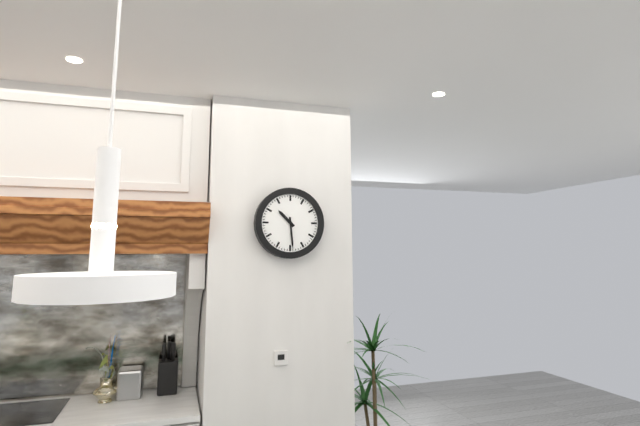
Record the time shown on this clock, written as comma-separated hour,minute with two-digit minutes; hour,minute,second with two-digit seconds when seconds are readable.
10,29
